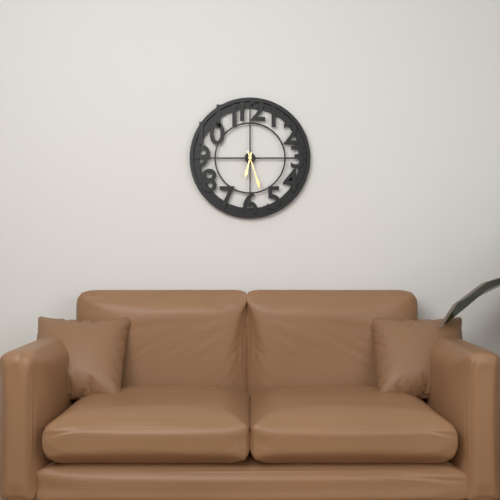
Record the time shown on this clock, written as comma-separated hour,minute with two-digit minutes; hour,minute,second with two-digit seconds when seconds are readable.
6,27
